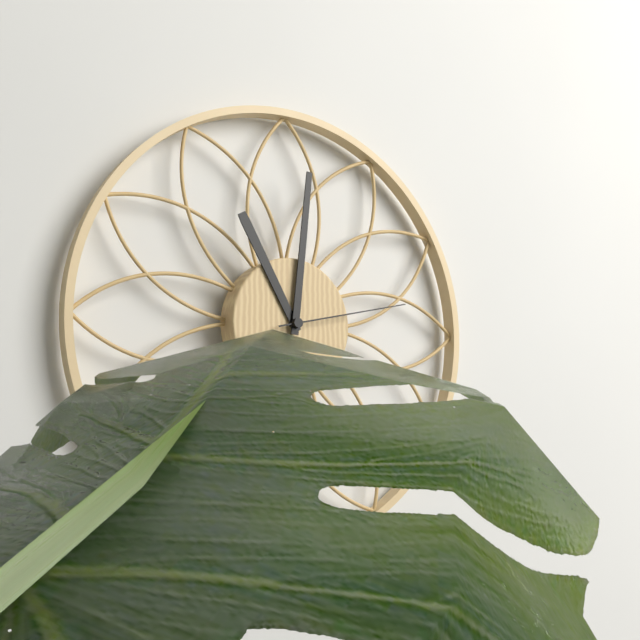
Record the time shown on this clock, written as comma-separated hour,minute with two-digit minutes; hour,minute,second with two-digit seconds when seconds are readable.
11,01,13
